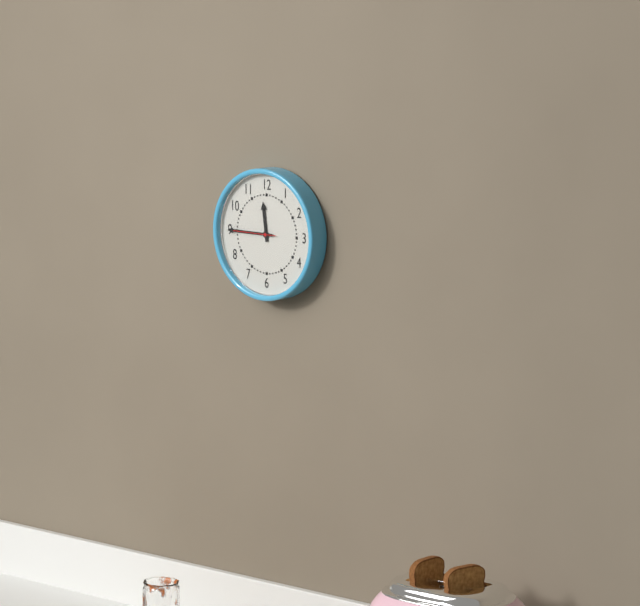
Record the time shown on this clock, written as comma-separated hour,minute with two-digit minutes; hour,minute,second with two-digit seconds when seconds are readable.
11,45
